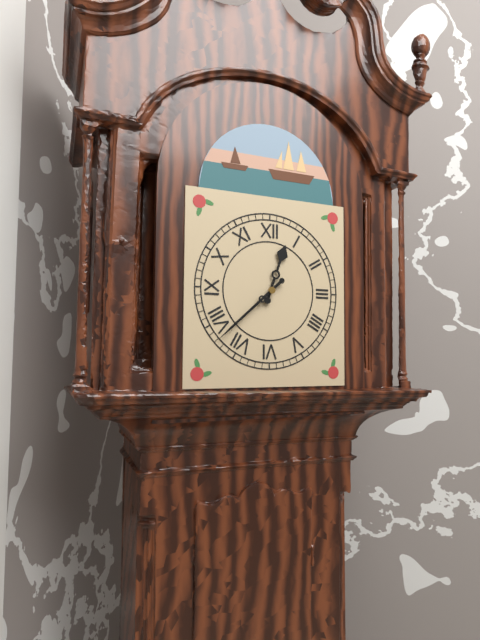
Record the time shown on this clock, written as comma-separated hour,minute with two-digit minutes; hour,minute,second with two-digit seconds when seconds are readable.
12,38
